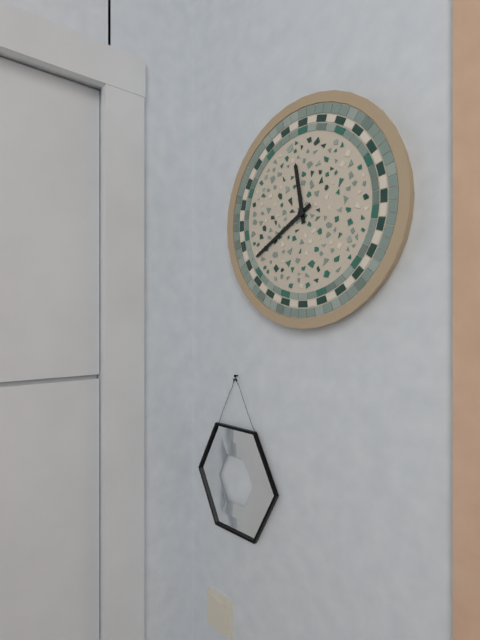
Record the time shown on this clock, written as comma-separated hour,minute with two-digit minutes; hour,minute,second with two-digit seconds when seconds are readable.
11,40
